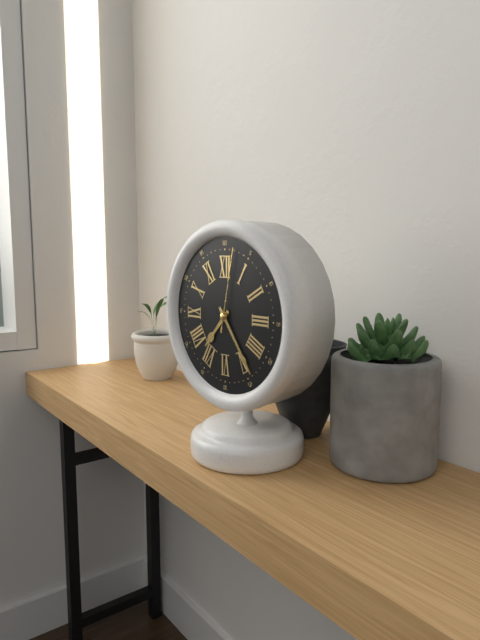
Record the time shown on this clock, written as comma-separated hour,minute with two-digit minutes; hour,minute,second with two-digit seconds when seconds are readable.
7,24,02
